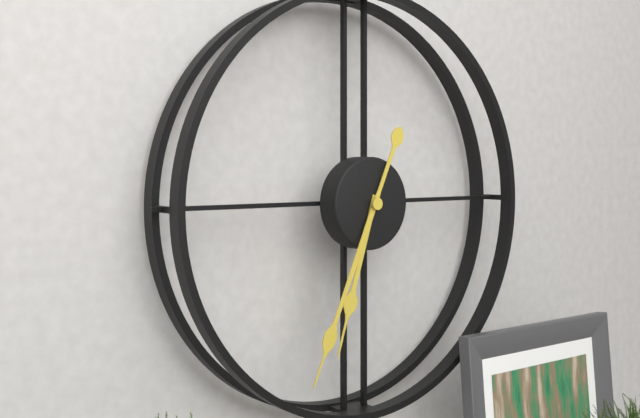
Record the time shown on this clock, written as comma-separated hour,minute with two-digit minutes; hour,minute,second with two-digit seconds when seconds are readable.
6,34
